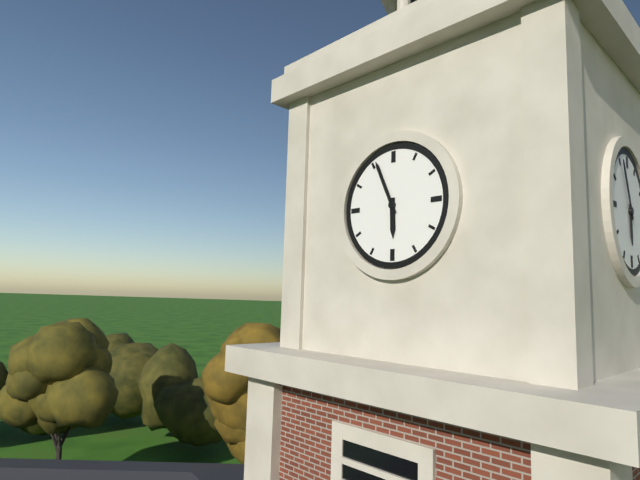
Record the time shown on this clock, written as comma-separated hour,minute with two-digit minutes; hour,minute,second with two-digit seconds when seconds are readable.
5,56
